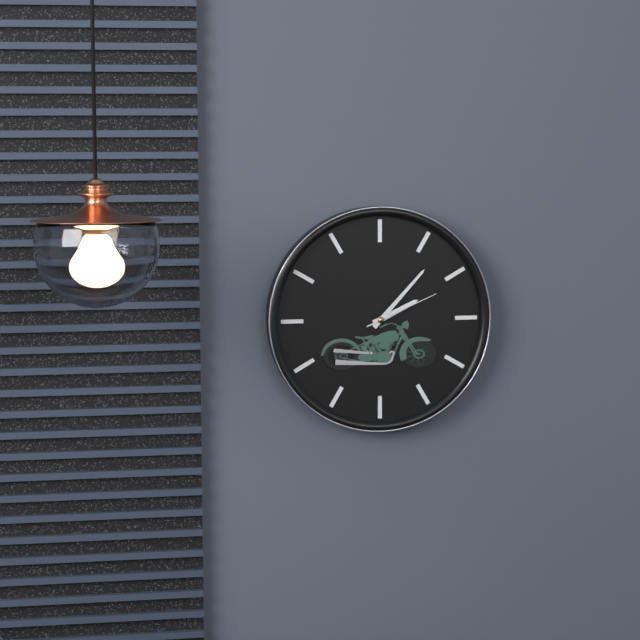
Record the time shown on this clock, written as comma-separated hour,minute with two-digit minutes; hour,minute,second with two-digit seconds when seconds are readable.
2,07,11
